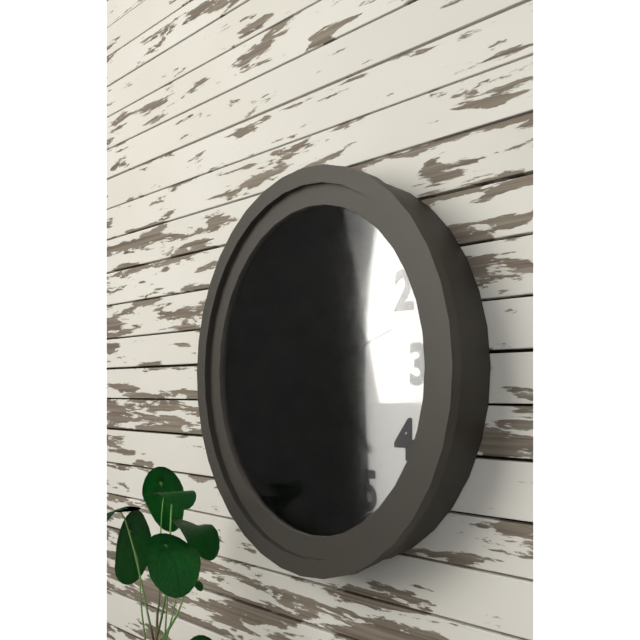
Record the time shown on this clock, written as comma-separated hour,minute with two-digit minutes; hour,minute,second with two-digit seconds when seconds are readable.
1,23,12
